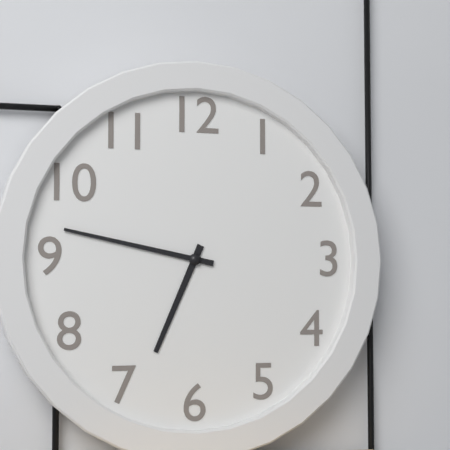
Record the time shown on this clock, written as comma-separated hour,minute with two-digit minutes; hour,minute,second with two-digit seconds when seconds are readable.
6,47
